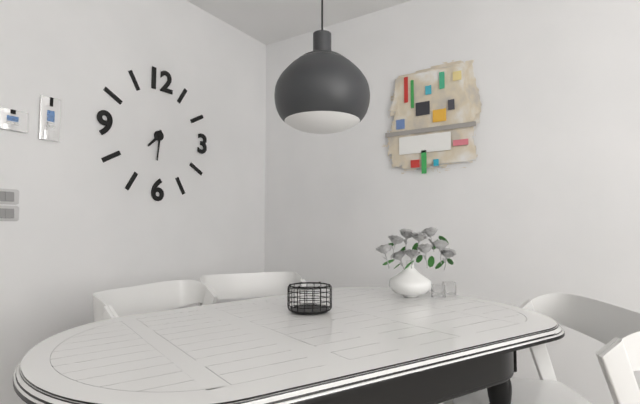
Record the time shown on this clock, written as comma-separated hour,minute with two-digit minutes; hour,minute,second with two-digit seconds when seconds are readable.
7,31
